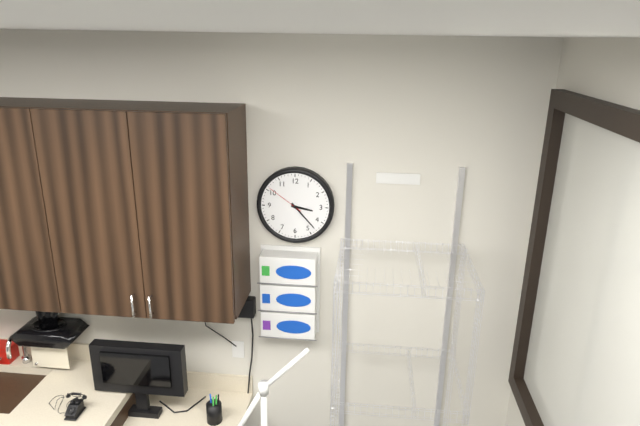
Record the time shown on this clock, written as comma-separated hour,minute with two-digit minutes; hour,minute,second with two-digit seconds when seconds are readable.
3,23
